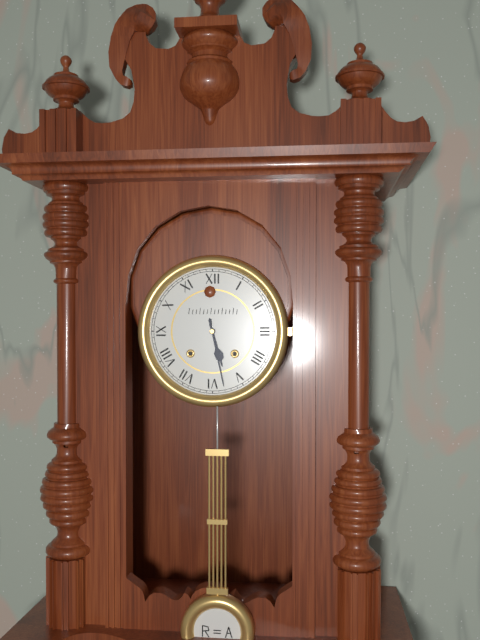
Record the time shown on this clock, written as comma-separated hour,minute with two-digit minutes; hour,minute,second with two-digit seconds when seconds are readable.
5,28
